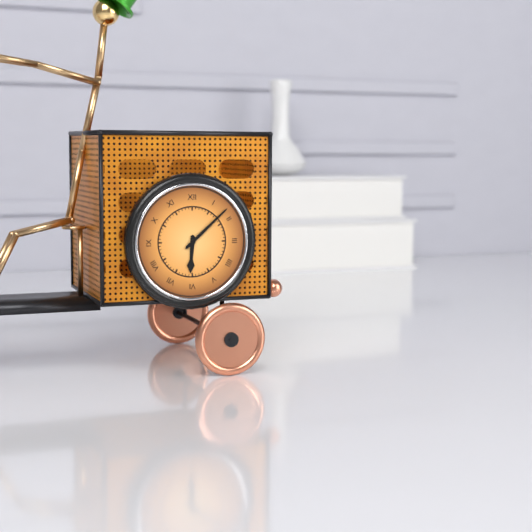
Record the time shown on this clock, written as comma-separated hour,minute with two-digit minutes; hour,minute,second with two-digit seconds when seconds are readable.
6,08
